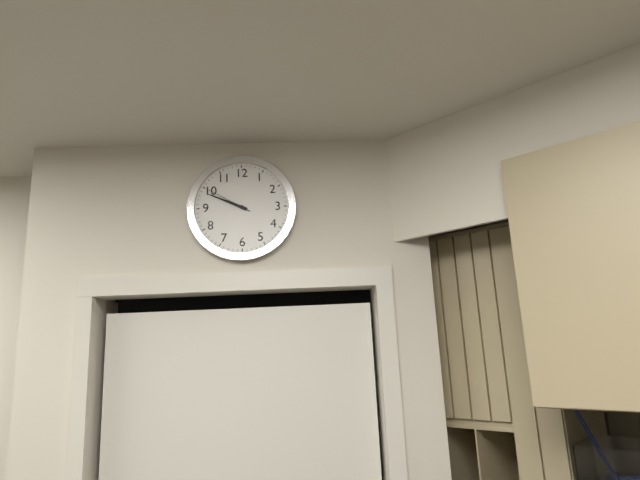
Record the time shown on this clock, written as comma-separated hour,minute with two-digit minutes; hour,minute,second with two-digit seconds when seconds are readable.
9,49,50
